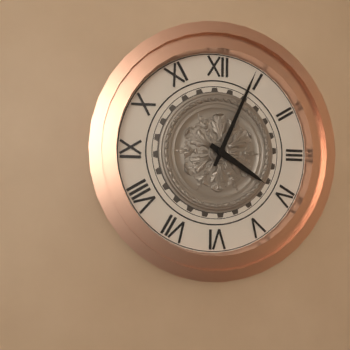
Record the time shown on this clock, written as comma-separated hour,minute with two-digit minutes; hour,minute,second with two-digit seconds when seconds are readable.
4,04
